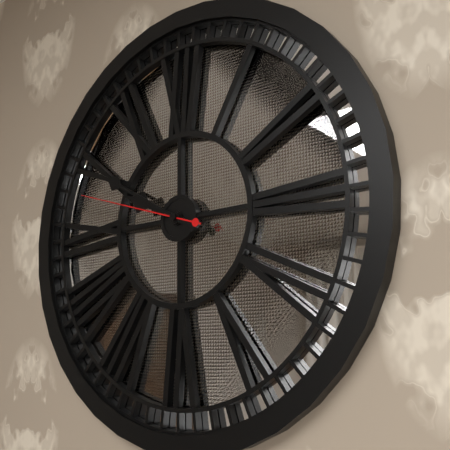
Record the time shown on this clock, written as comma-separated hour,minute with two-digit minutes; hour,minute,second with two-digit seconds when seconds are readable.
9,50,48
